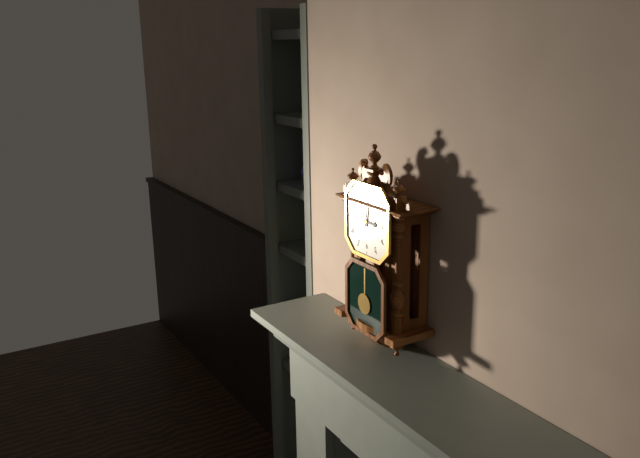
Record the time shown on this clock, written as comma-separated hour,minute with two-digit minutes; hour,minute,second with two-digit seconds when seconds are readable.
3,01
